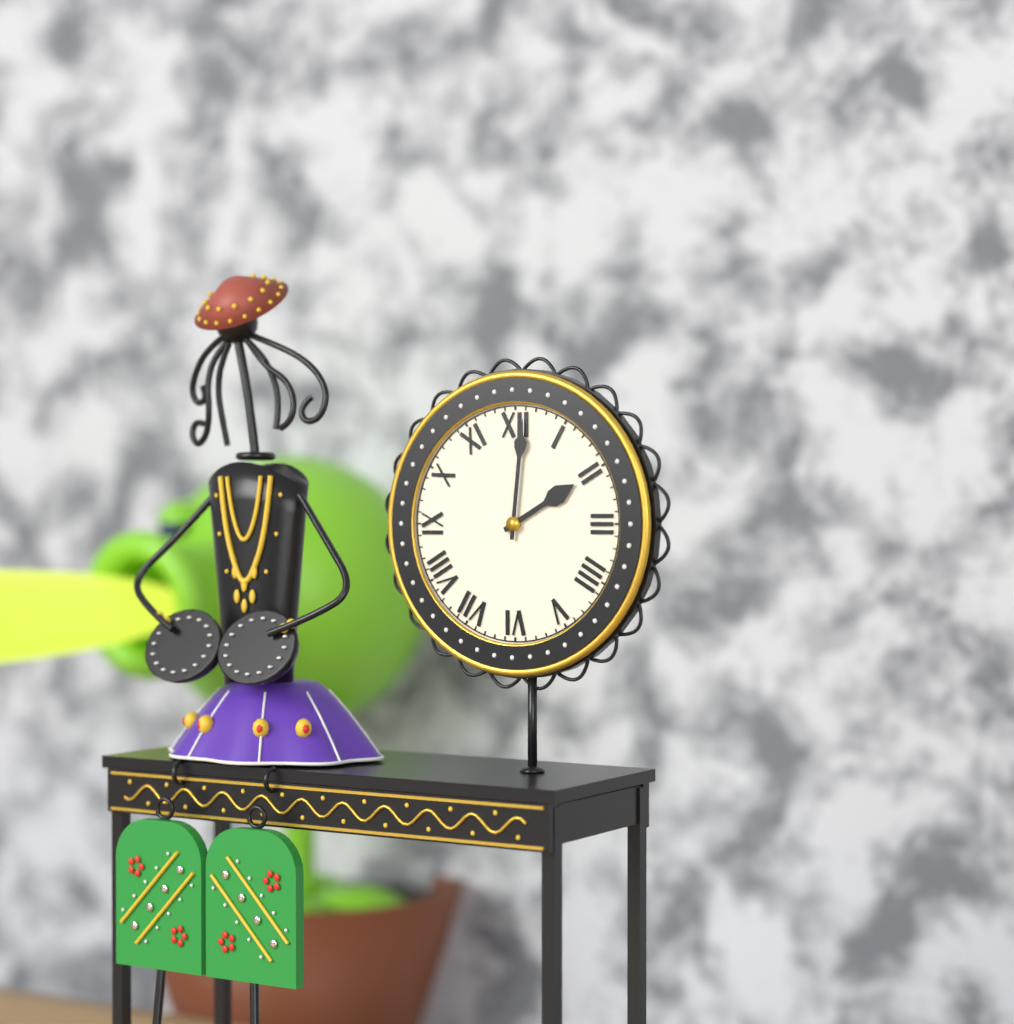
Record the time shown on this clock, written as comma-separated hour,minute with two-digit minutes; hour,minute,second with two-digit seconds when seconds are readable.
2,01
